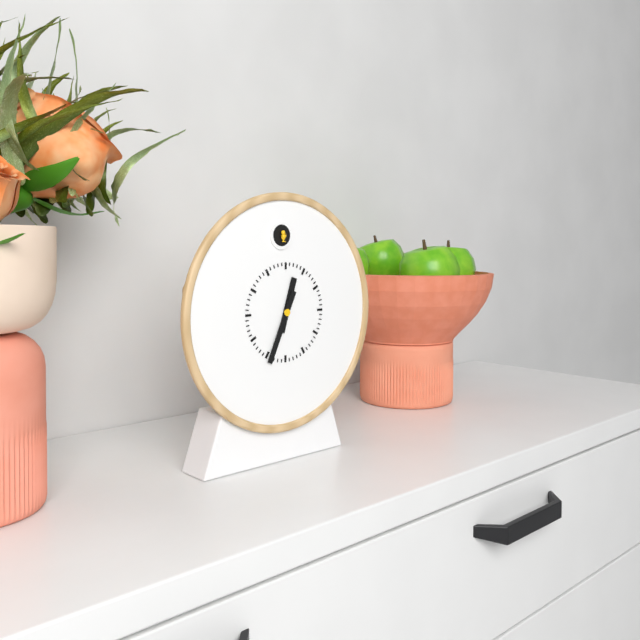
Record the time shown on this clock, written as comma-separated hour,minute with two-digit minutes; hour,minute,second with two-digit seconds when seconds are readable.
12,34
